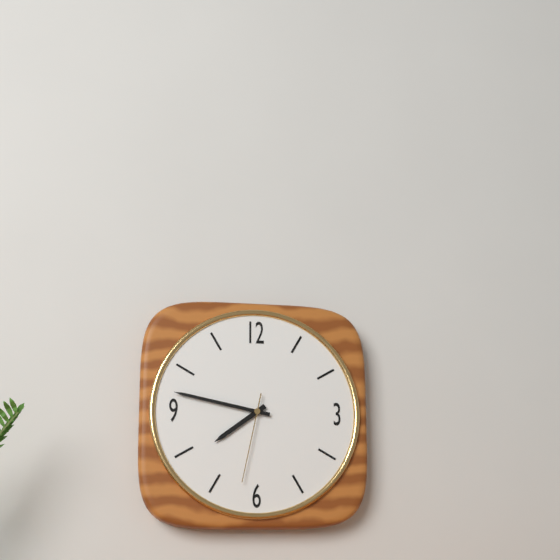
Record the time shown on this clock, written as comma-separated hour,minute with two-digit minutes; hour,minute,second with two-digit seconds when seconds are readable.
7,47,32
